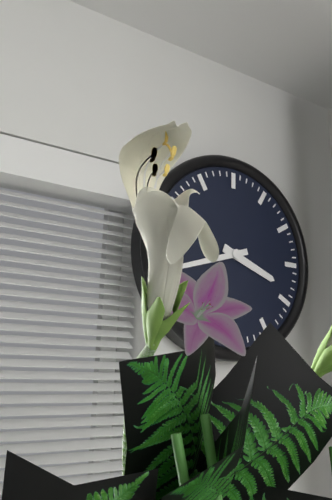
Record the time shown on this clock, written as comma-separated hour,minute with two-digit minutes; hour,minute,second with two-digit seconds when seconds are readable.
3,42
